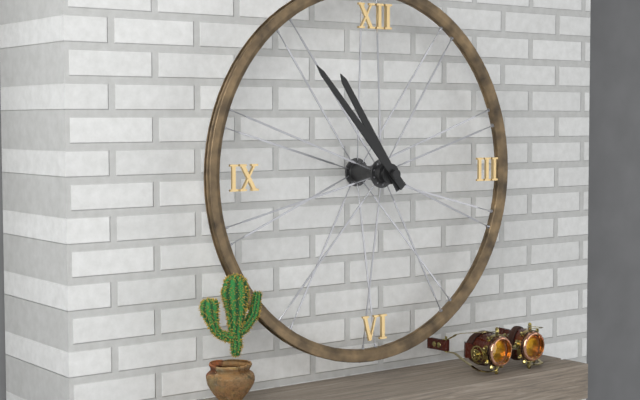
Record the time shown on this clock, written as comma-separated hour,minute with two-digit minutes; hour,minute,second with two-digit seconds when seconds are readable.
10,53
